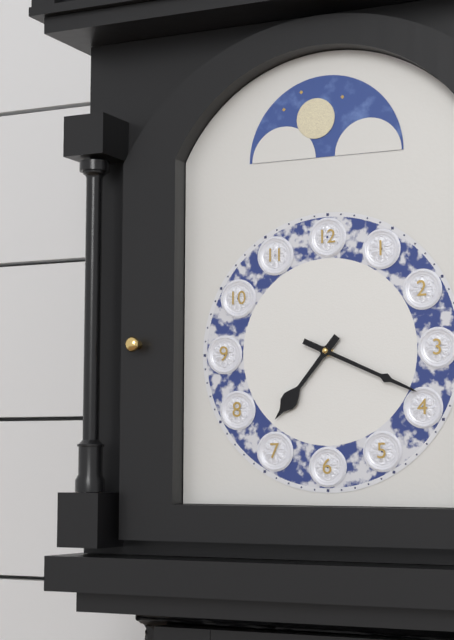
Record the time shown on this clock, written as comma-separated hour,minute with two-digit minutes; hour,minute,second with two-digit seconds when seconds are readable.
7,19
